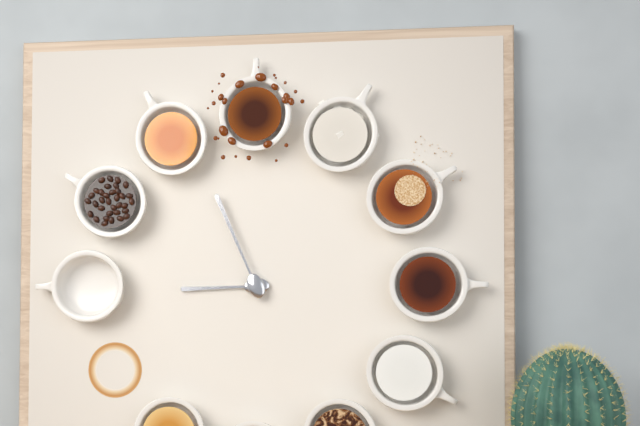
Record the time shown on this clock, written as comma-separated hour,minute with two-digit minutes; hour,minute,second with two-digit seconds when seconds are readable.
8,56
